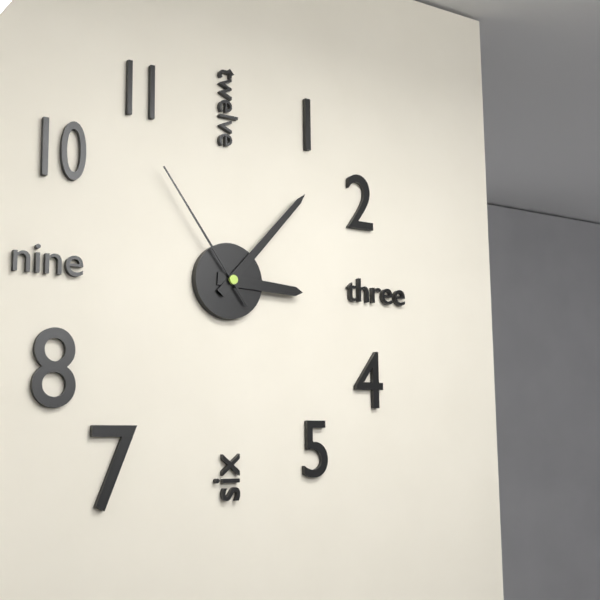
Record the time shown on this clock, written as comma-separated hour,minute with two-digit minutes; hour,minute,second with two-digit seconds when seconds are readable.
3,07,54
